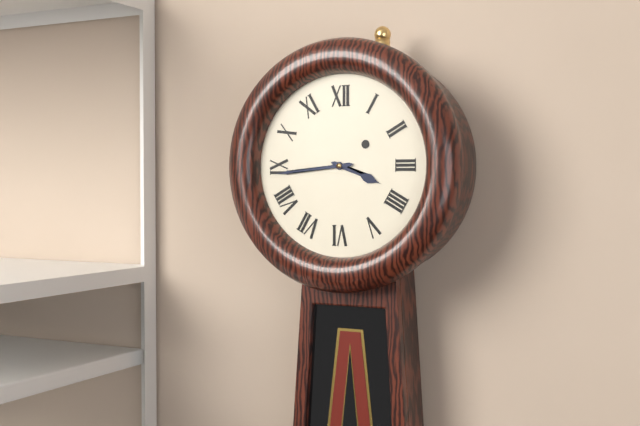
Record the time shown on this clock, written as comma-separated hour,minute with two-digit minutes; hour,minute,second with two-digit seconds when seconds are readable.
3,44
